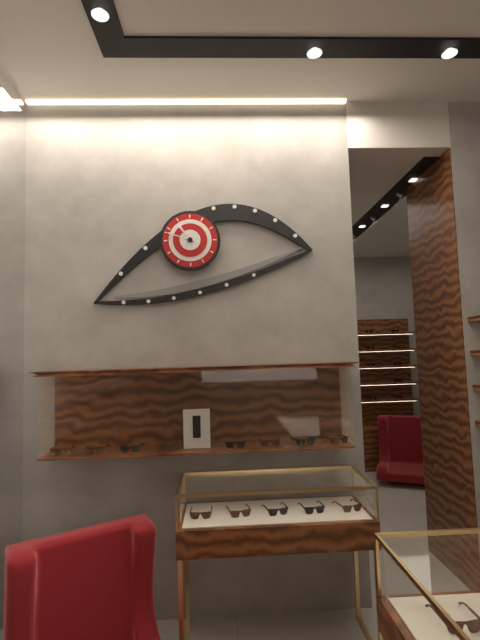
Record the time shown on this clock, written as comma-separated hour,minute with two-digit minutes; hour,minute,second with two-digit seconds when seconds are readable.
10,48
